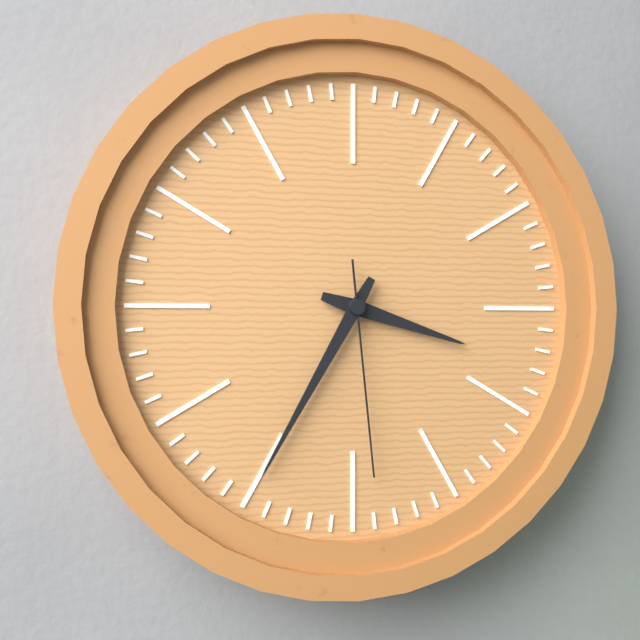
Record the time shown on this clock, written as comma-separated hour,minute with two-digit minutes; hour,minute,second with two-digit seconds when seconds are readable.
3,35,29
